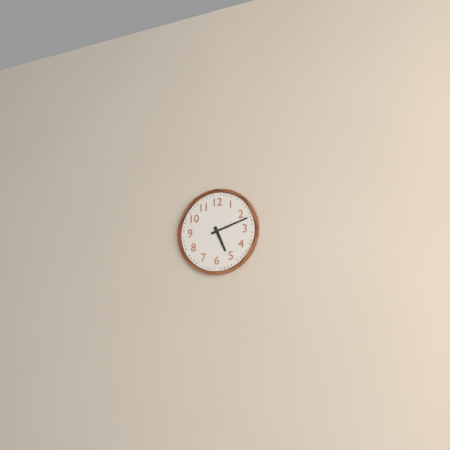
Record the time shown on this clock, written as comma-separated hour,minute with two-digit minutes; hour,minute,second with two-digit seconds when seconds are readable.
5,12
